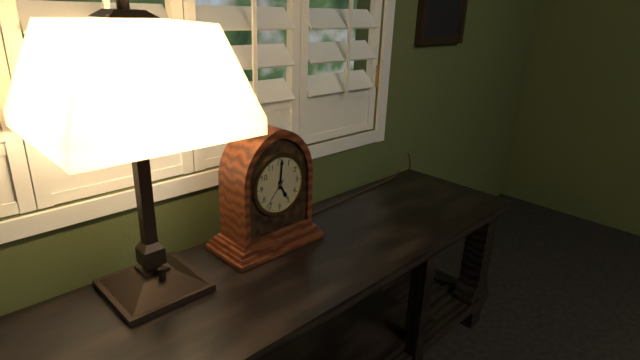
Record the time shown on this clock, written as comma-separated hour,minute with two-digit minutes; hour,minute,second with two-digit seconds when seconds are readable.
5,01
